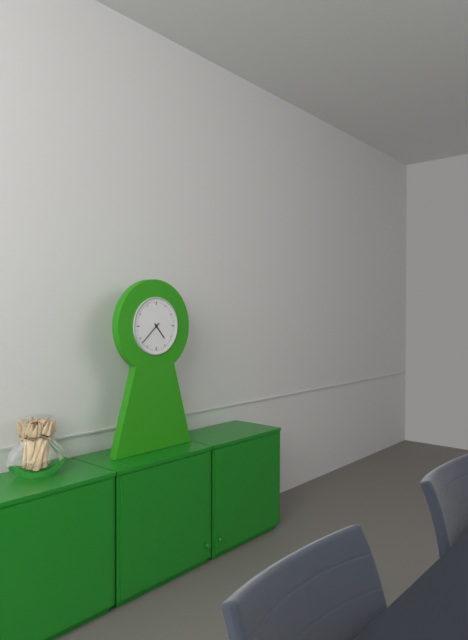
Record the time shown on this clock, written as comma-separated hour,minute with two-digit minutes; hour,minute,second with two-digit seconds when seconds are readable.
4,38
